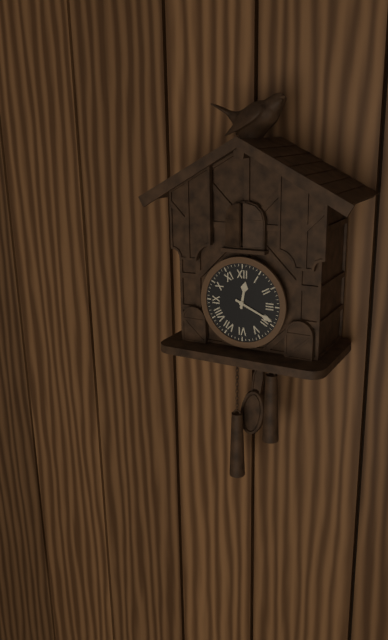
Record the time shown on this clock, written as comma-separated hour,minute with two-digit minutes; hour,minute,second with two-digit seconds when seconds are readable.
12,19
